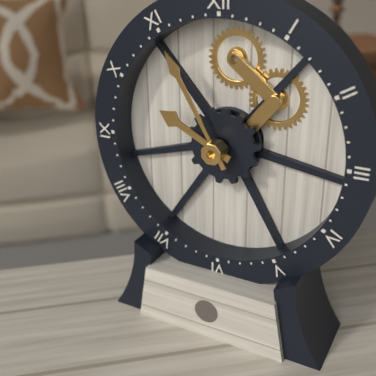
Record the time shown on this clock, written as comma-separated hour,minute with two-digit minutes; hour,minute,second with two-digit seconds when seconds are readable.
9,55
